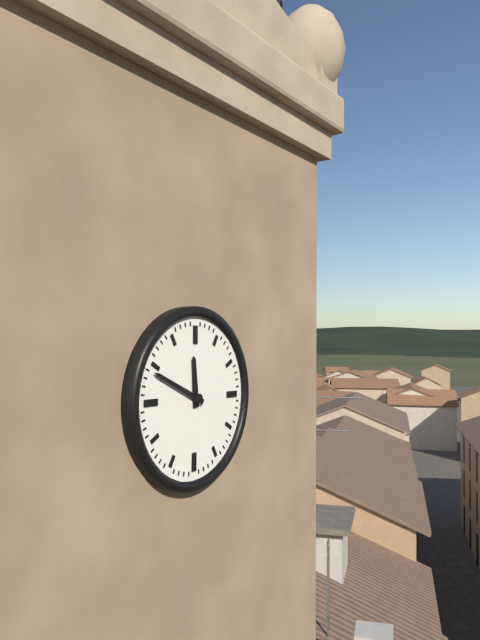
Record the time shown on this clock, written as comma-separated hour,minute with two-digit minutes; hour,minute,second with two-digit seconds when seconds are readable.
11,49
